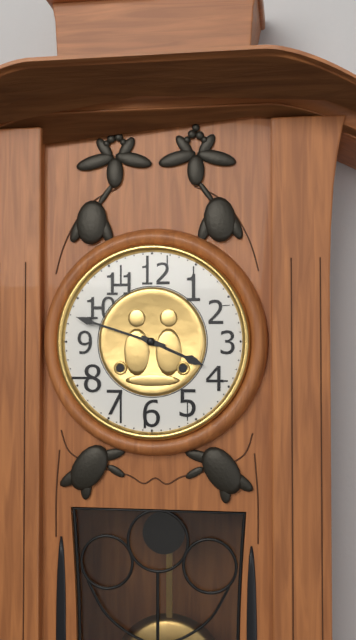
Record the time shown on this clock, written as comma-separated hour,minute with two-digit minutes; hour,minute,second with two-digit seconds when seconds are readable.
3,48
